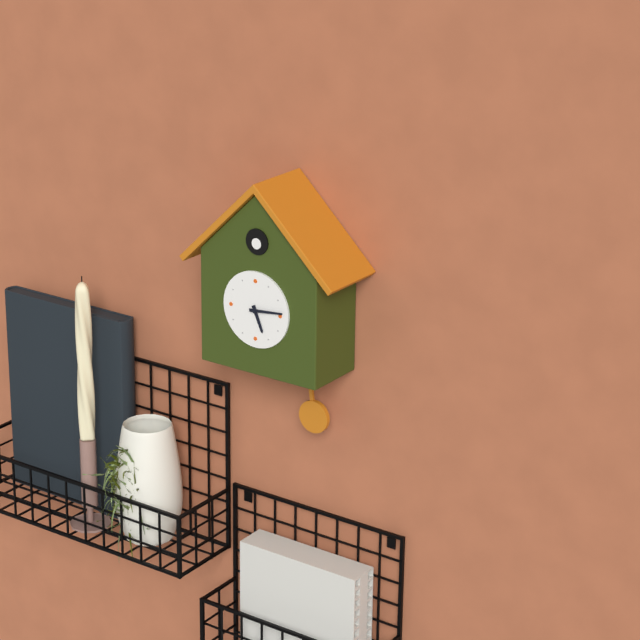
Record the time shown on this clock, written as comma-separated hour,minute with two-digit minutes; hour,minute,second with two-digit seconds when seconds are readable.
5,14
